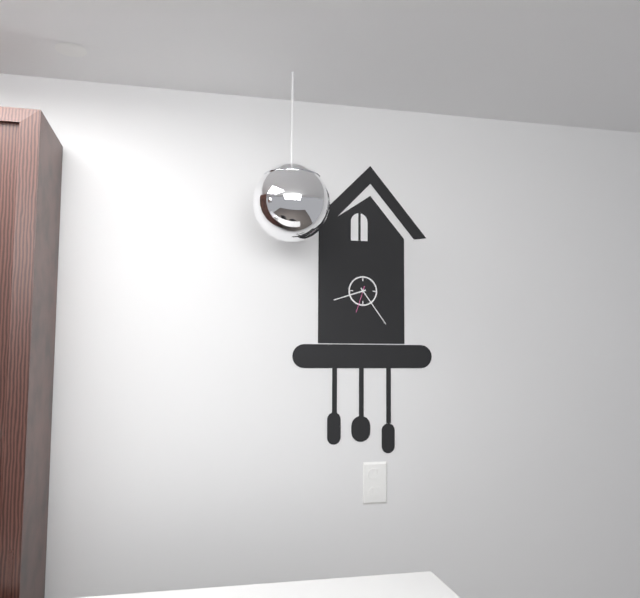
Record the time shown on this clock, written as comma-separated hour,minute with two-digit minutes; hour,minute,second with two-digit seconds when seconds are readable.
8,24
